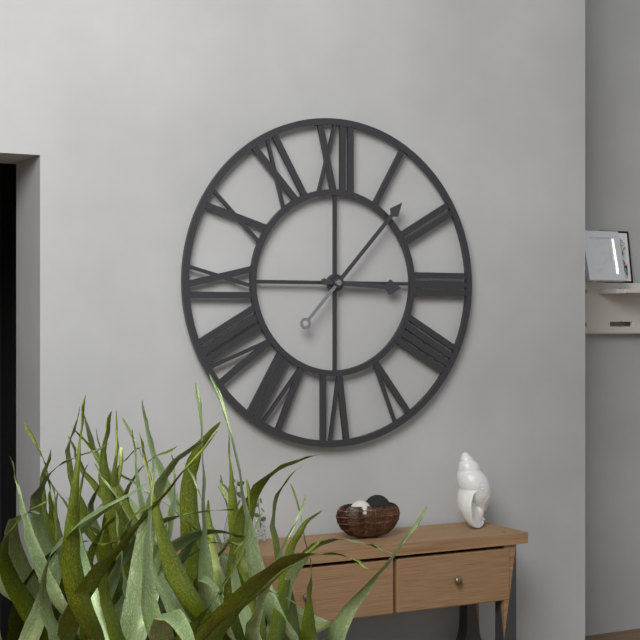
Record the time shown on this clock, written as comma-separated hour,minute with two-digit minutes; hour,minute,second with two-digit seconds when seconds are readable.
3,07
